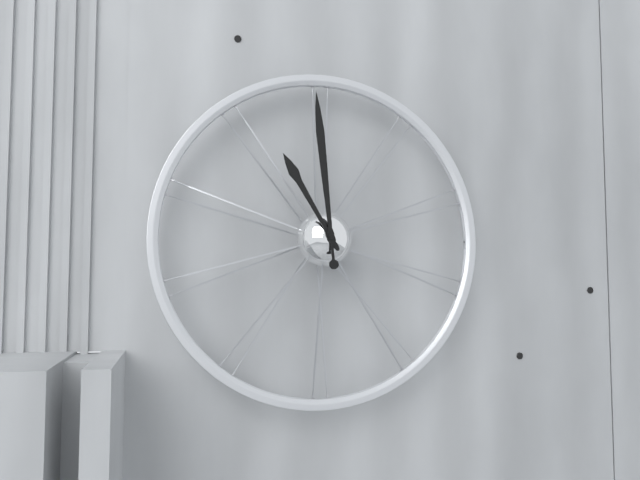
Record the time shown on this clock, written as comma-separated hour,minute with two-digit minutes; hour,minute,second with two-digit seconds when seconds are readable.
10,59
